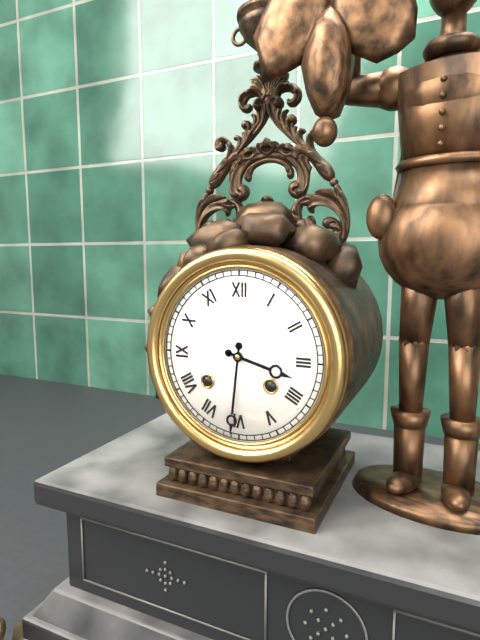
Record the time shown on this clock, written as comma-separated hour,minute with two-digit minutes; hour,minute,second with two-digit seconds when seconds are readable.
3,31
